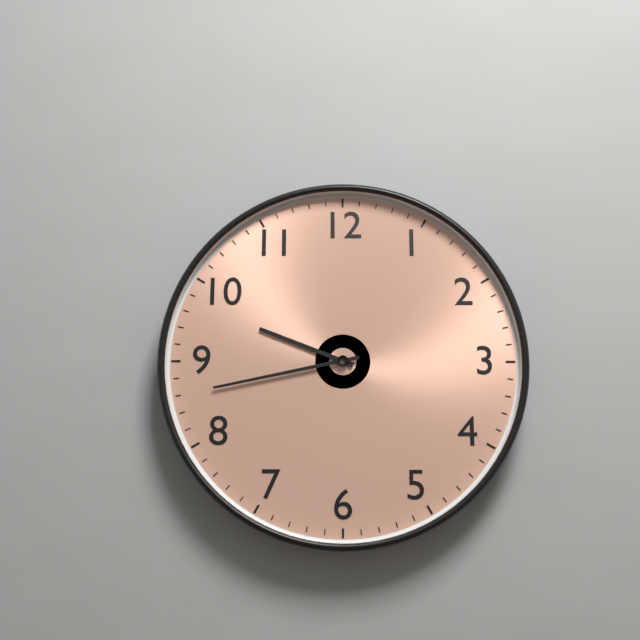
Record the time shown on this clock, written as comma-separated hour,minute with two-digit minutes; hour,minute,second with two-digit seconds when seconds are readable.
9,43
